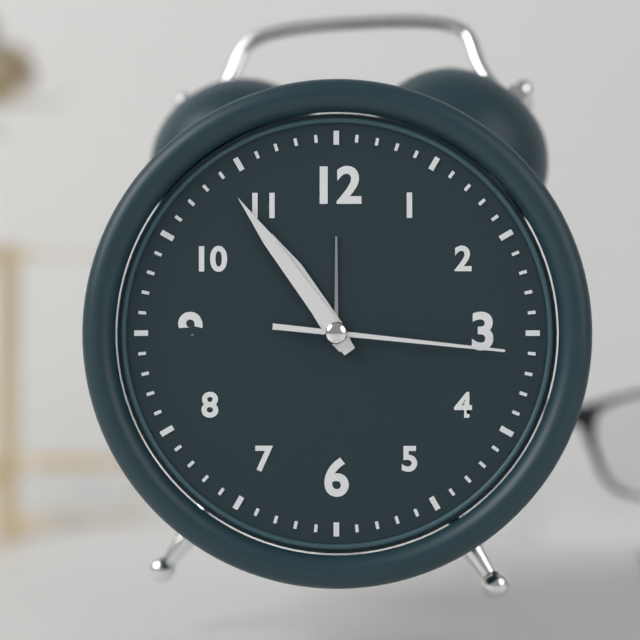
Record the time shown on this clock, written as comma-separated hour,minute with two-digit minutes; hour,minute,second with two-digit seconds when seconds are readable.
10,54,16
